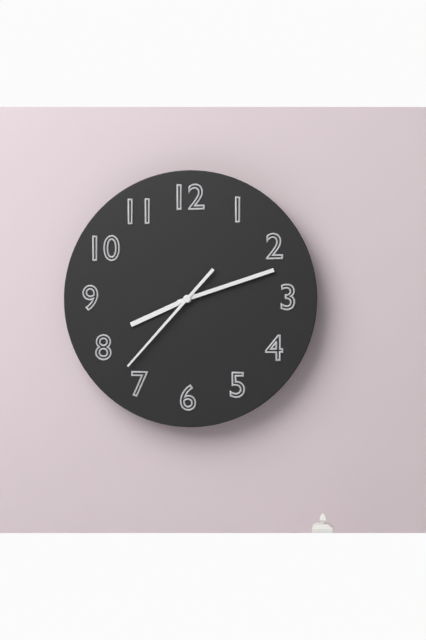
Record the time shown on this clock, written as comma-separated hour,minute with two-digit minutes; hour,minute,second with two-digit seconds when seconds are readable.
8,12,37
